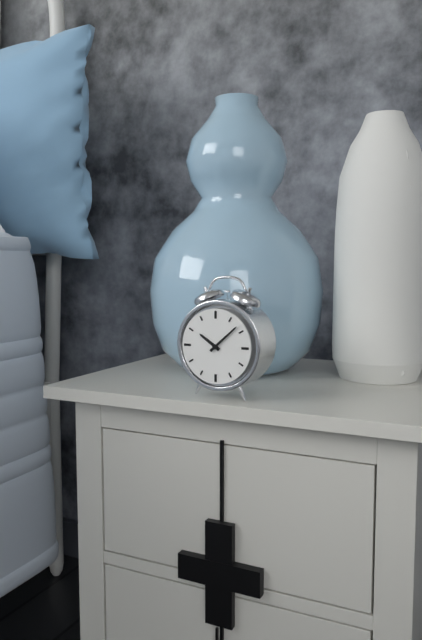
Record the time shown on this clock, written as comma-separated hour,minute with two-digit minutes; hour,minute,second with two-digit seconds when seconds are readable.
10,08
